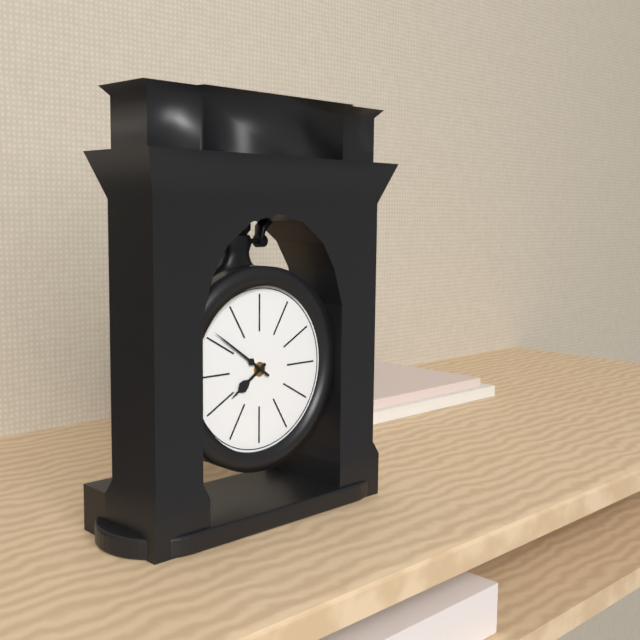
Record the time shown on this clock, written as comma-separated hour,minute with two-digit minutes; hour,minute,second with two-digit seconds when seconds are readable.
7,51
